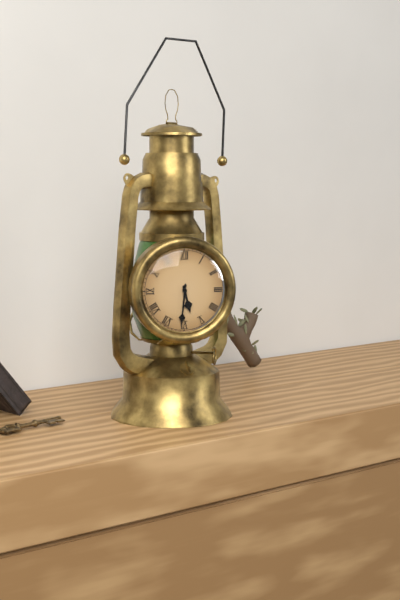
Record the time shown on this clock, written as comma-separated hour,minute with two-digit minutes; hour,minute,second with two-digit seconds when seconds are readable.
5,31
